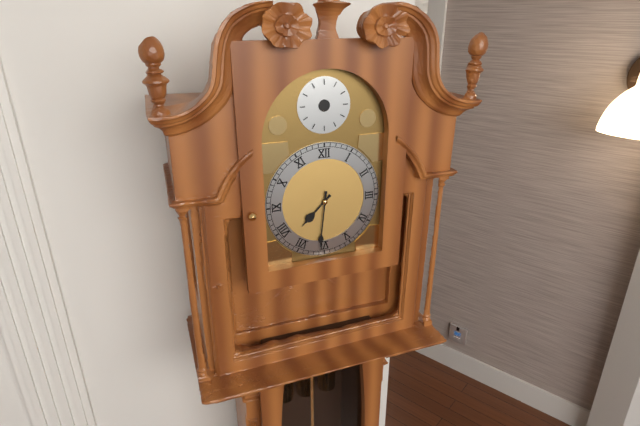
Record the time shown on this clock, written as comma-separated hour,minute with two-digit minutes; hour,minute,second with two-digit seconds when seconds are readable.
7,31
